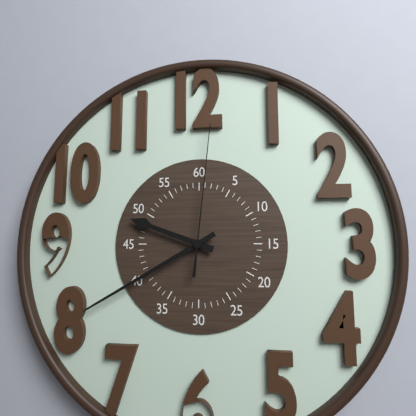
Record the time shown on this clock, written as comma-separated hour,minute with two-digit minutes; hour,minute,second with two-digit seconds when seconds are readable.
9,40,01
